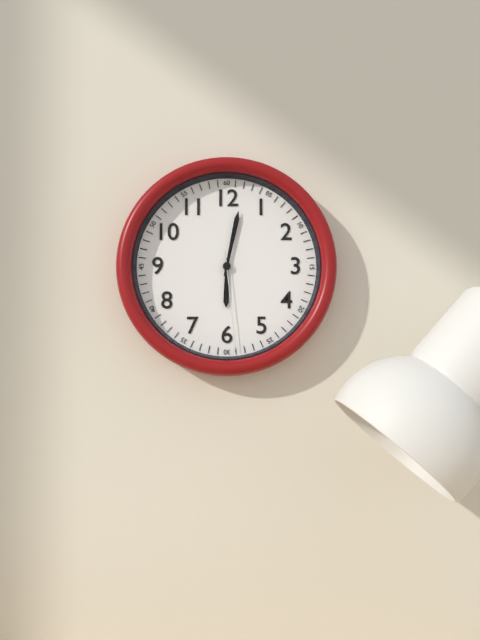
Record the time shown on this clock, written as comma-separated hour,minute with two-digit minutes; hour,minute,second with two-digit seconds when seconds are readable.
6,02,29
